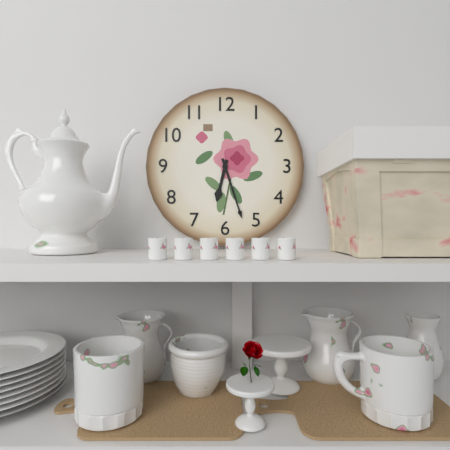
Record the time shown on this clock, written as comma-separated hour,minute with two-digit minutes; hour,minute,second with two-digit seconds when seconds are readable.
6,27
